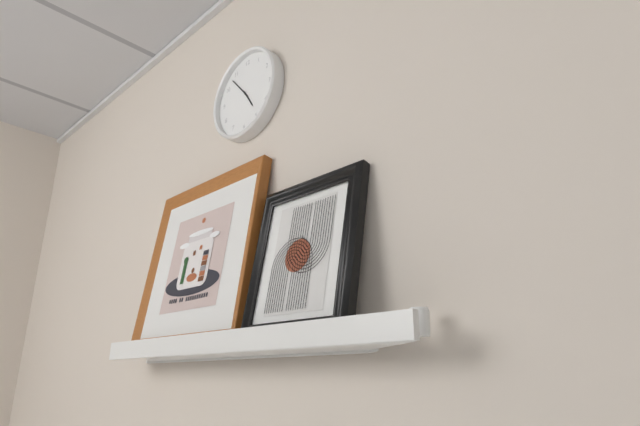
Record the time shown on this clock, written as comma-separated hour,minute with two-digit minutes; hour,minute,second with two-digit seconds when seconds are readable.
4,53
